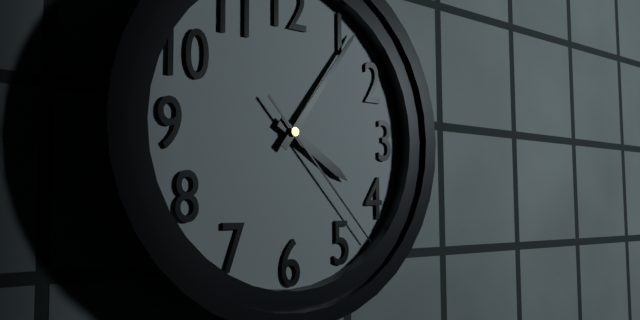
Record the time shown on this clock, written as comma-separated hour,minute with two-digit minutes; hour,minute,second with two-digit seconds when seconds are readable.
4,06,23
